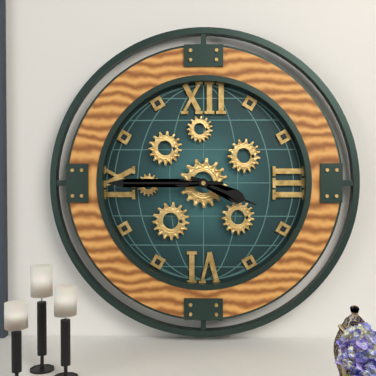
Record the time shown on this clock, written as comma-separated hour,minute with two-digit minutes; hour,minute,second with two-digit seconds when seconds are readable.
3,45
